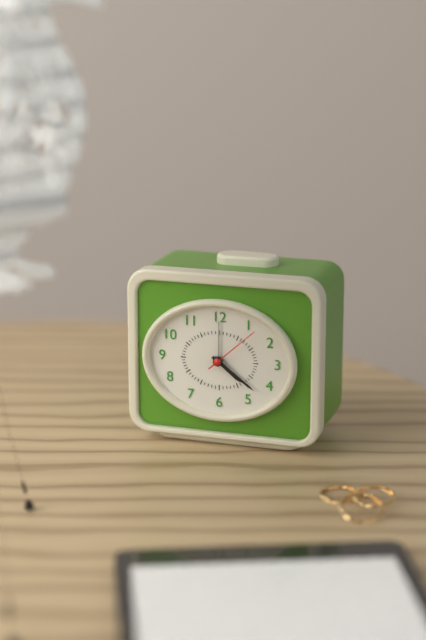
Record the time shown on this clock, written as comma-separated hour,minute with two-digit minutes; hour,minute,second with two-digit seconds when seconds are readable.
4,21
